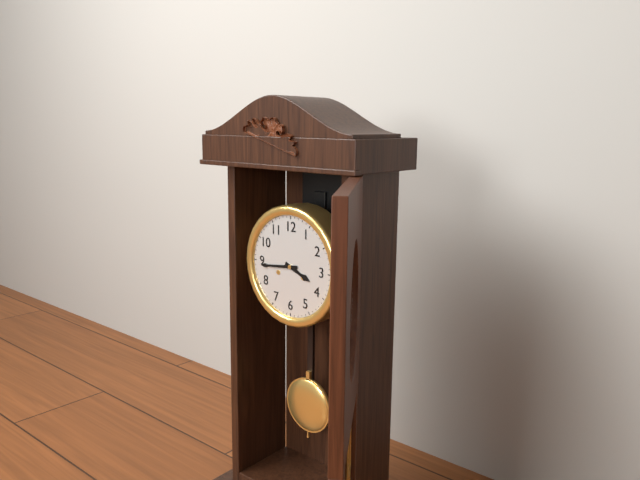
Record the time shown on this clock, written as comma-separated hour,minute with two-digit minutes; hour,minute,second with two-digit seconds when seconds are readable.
3,44
